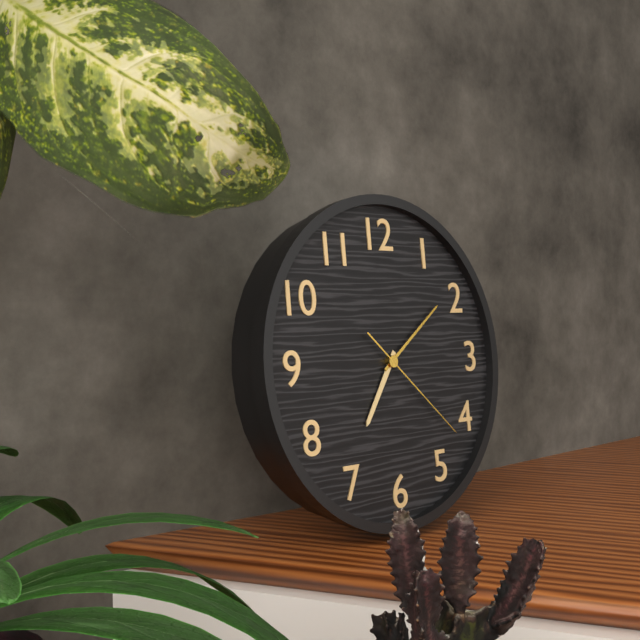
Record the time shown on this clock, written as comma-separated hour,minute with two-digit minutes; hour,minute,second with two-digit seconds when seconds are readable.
7,09,22
